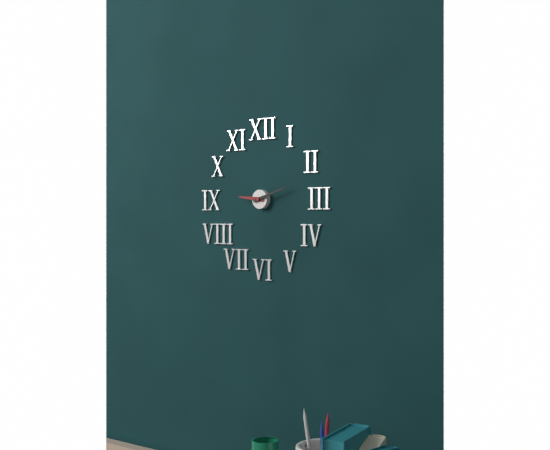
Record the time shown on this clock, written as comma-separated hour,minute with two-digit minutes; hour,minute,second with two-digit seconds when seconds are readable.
9,12
